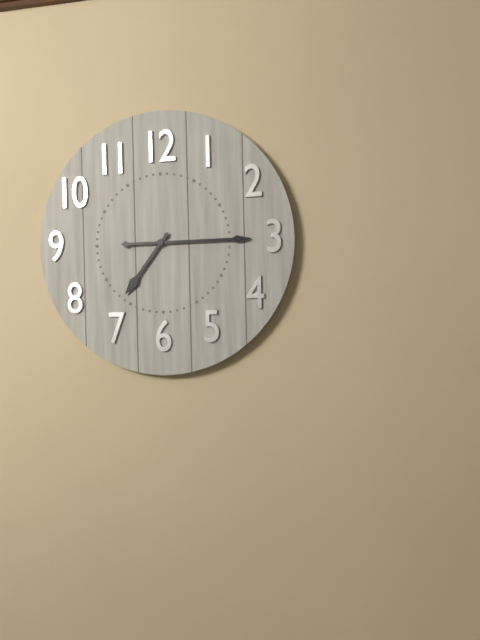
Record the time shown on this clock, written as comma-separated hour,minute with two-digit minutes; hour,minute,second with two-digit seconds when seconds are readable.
7,15
